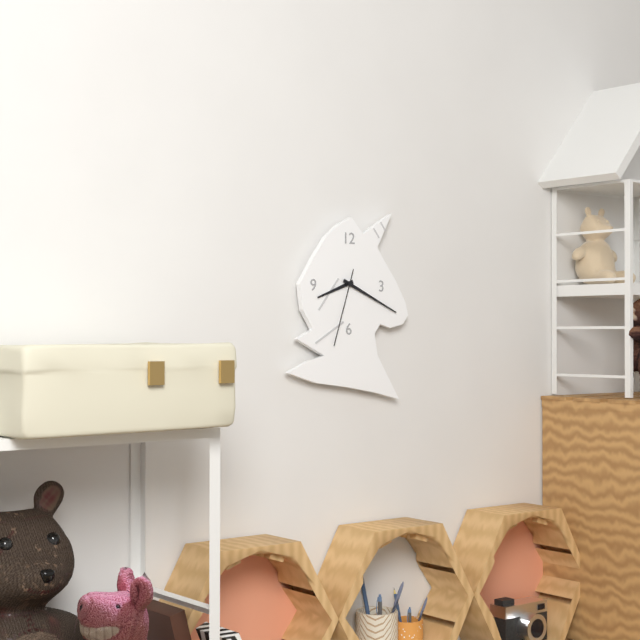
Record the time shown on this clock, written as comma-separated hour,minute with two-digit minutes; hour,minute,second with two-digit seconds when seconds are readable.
8,19,33
